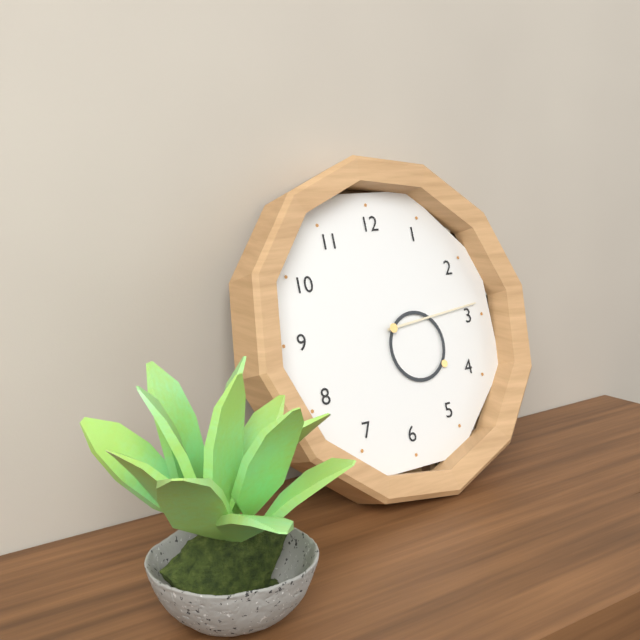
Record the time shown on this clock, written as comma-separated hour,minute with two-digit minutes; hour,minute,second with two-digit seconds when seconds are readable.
4,14
